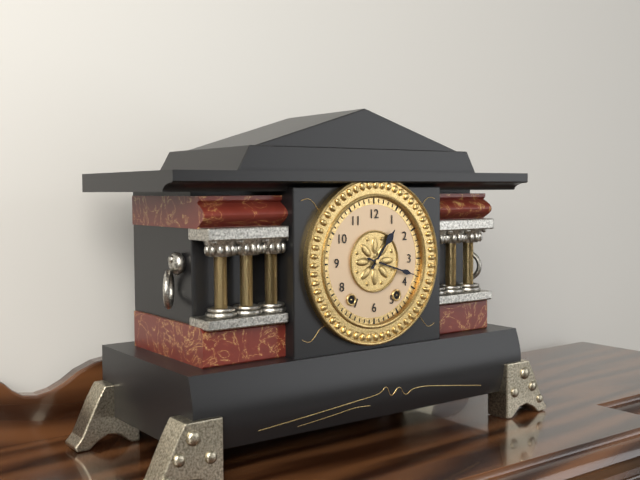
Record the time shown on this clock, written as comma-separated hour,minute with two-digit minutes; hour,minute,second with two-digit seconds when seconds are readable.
1,18
